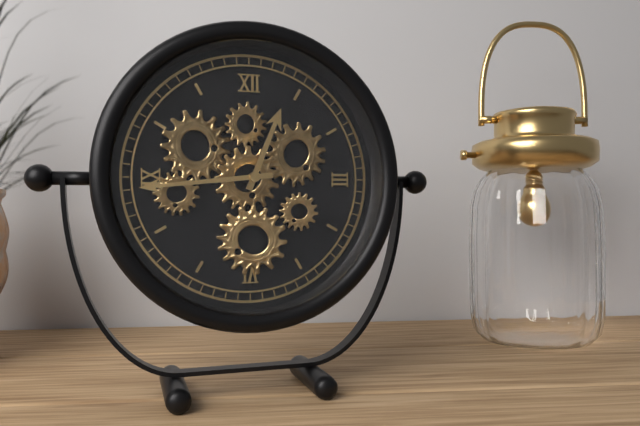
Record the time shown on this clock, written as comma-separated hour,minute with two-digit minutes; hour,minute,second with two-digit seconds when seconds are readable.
12,44
